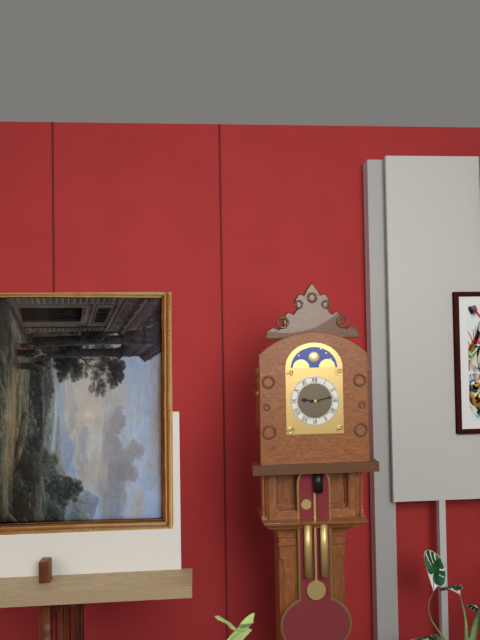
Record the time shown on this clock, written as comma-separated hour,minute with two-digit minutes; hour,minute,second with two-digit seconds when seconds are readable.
9,13
